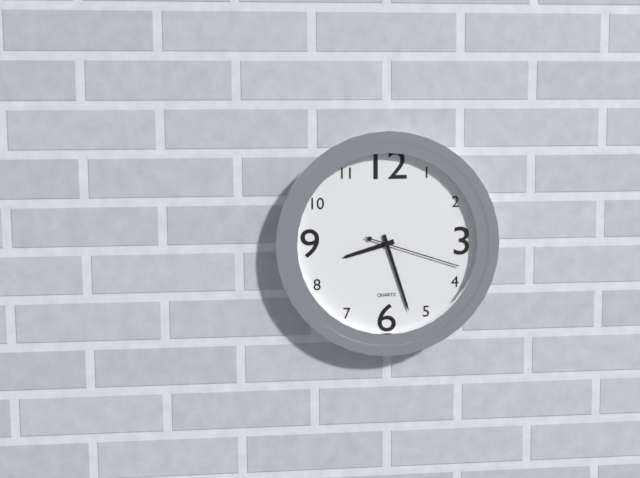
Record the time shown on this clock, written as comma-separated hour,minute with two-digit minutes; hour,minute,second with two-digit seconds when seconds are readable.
8,27,18
